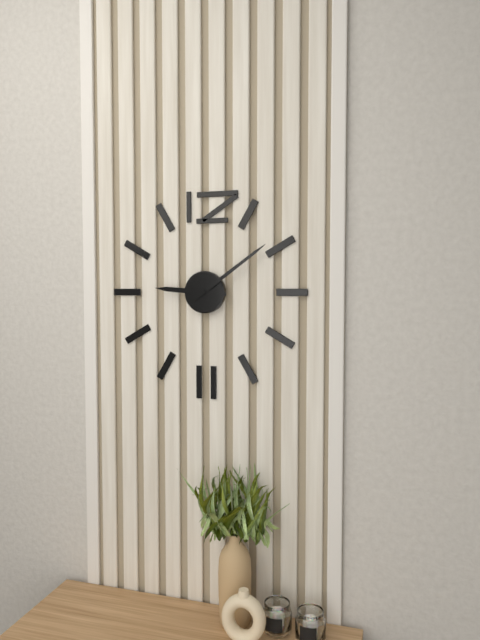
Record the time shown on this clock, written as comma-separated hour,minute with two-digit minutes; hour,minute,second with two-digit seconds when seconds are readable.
9,09
